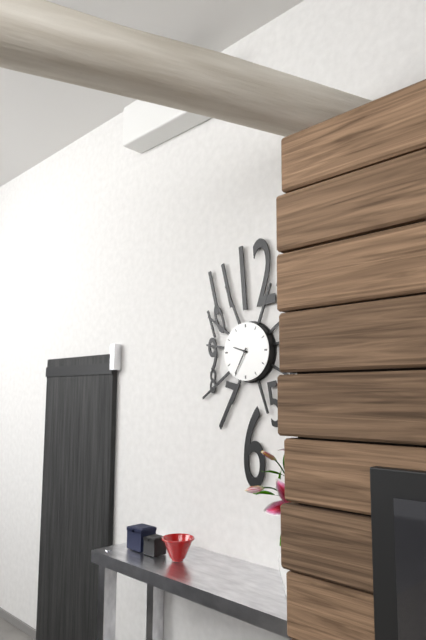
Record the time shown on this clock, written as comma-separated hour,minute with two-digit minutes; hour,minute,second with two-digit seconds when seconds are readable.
9,35
